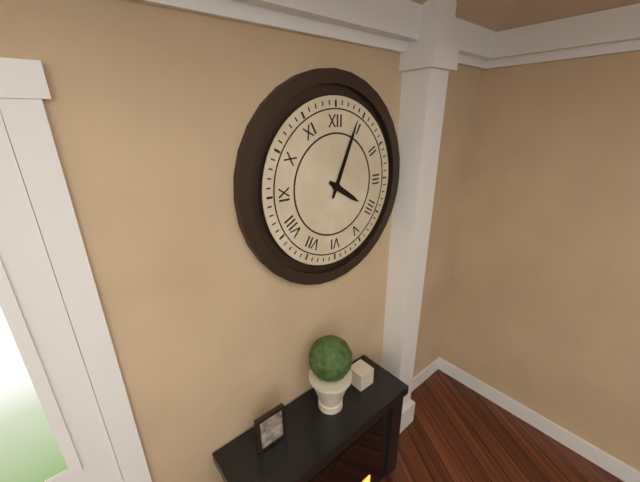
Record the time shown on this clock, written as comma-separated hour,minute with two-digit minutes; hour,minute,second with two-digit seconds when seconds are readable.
4,04
